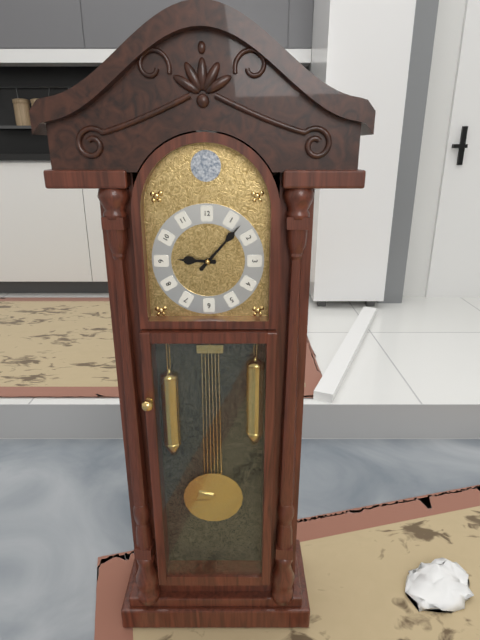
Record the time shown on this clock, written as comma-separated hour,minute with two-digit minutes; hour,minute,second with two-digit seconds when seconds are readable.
9,07
